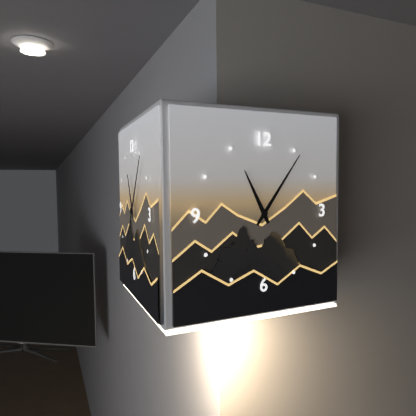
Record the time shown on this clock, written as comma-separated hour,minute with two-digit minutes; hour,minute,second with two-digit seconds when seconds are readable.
11,06
